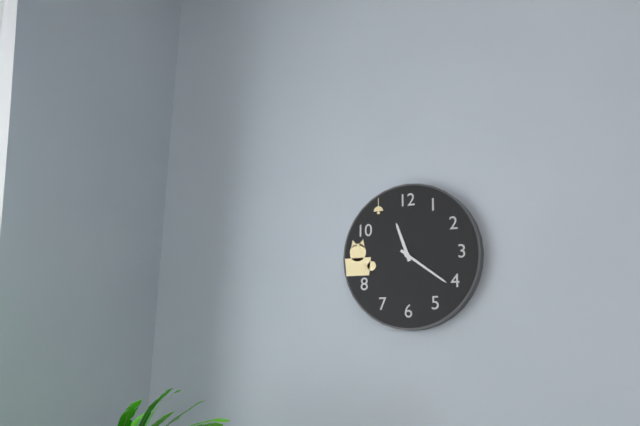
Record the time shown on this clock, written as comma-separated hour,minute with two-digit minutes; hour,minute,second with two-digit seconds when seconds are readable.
11,21
